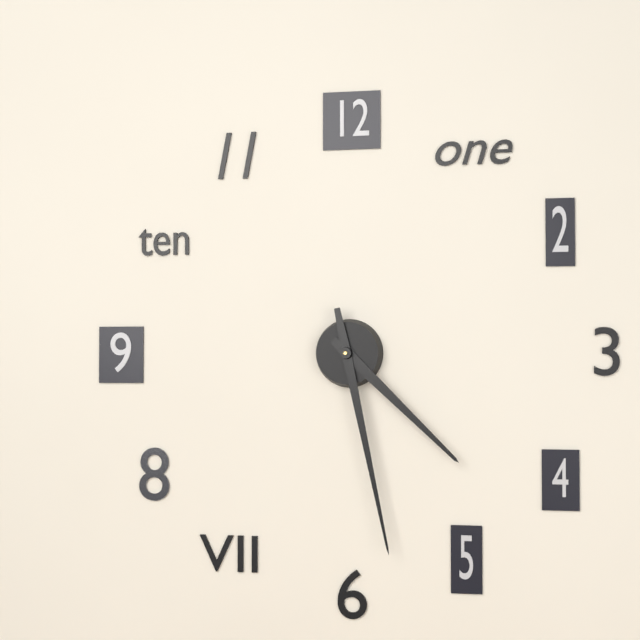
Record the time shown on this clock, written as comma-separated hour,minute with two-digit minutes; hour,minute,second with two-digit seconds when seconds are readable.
4,28
